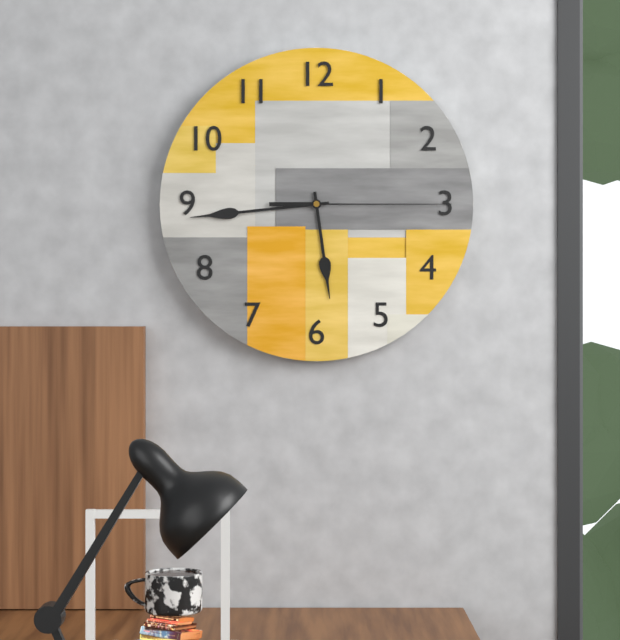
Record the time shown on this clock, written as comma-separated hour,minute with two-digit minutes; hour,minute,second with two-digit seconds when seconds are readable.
5,44,15
